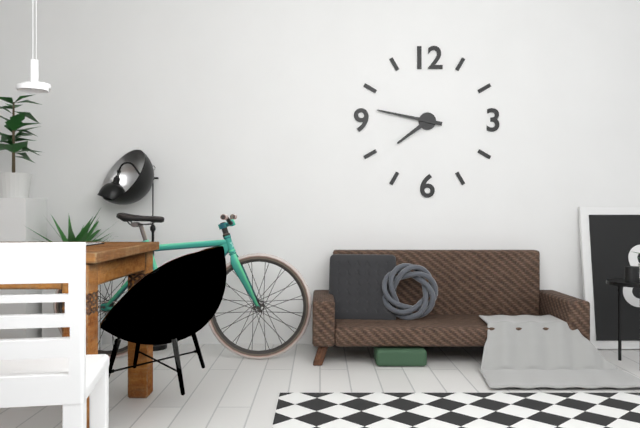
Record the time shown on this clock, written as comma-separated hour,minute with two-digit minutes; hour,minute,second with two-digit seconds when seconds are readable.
7,47
